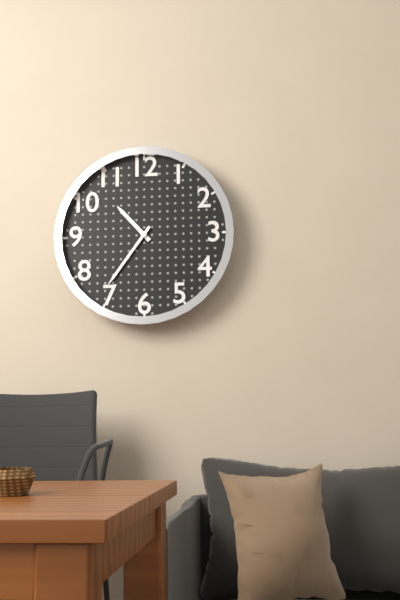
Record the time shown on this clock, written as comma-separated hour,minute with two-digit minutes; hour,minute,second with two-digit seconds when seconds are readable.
10,36
